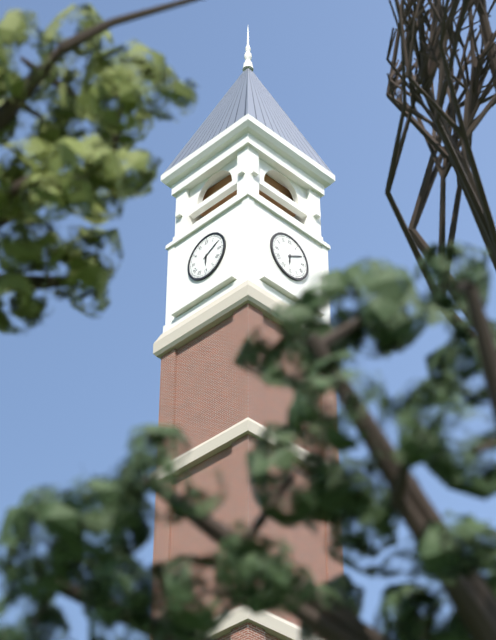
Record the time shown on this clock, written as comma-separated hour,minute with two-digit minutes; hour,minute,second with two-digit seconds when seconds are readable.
6,10
